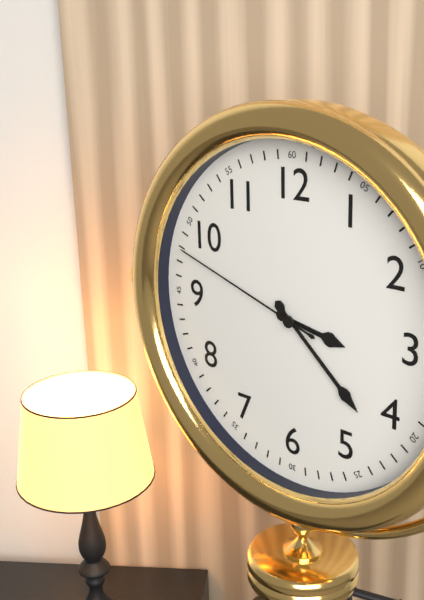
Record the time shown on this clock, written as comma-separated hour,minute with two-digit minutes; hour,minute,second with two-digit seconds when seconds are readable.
3,22,48
